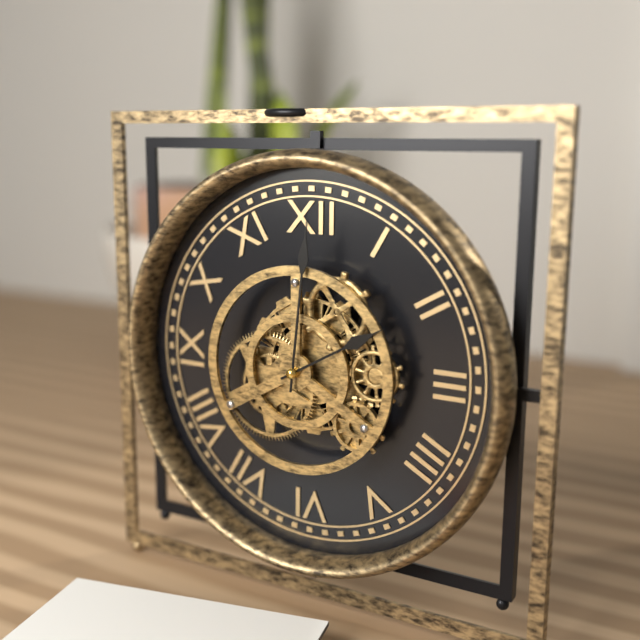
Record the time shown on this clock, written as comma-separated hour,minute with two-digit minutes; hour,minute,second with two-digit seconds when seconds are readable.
2,01
